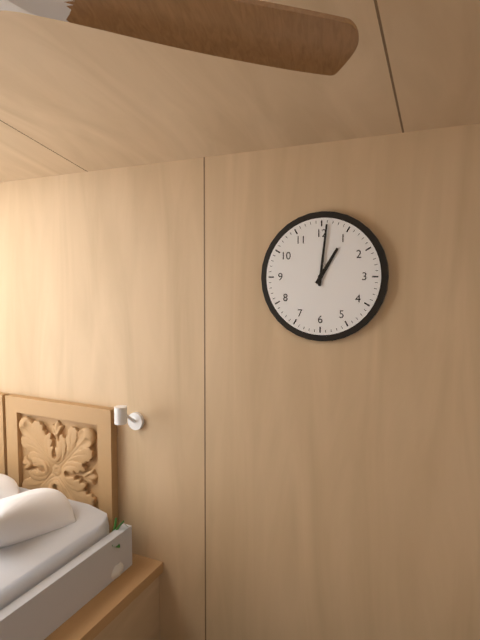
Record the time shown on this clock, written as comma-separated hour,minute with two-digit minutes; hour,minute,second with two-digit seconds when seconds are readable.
1,01
